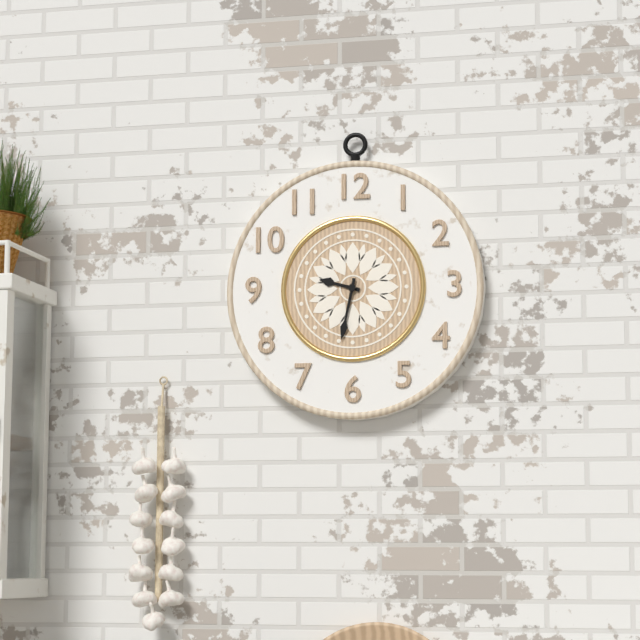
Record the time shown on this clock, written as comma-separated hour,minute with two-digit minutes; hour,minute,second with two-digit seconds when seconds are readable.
9,32
